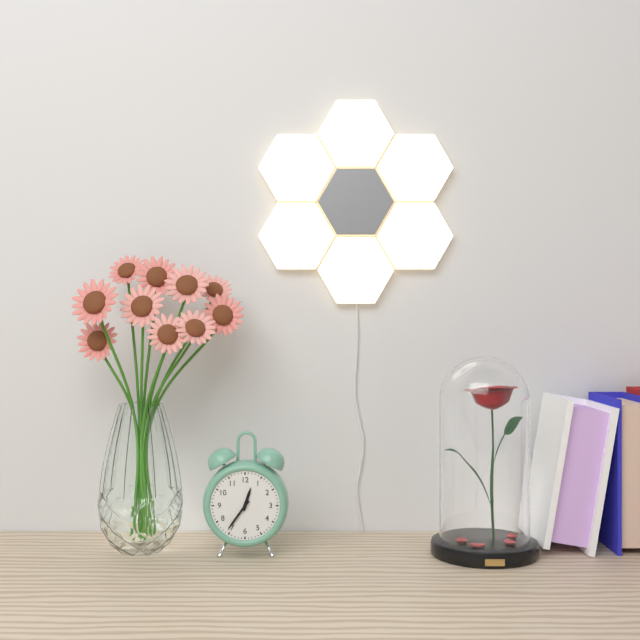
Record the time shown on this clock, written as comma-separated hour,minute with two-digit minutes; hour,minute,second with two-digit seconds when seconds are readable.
12,36
